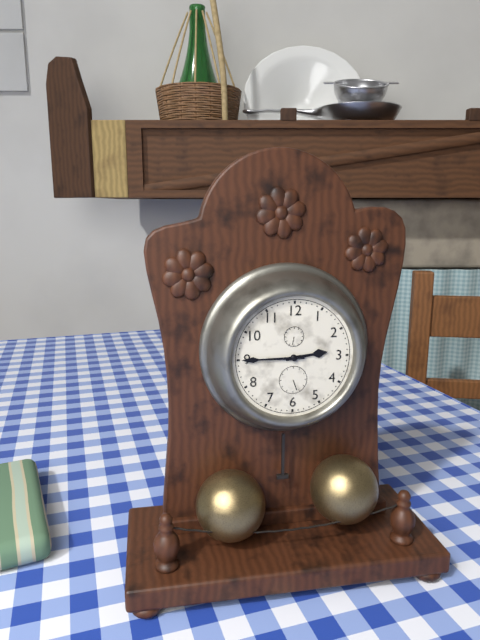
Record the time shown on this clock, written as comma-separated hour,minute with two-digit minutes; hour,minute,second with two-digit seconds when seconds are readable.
2,45
